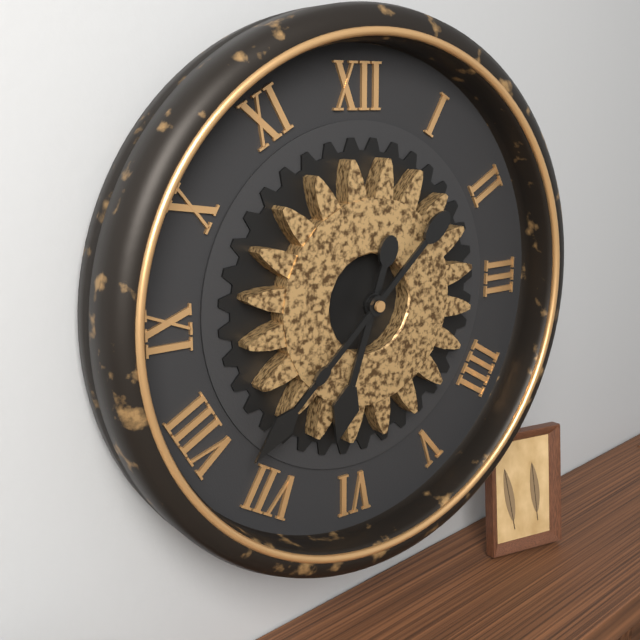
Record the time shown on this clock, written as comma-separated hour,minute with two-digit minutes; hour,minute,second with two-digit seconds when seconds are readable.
6,38
